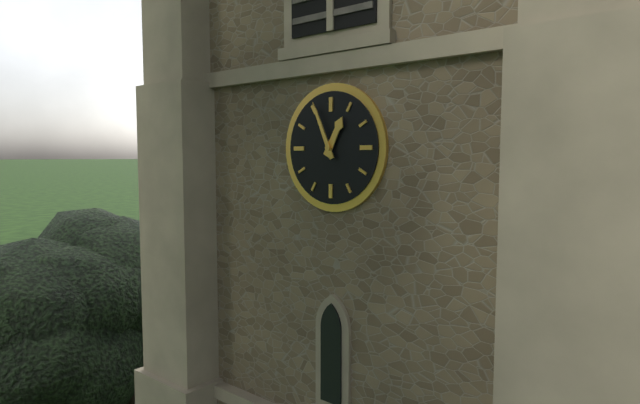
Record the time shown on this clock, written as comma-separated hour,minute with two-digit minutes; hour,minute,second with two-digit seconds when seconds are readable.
12,56
